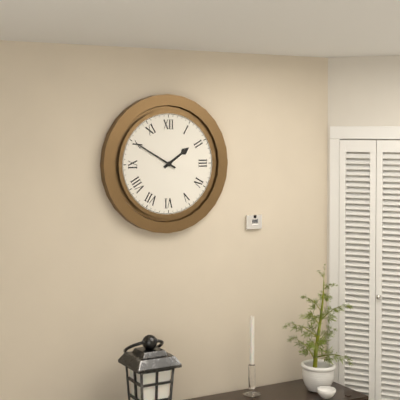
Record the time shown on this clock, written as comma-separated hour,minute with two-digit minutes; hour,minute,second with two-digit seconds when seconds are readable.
1,50
